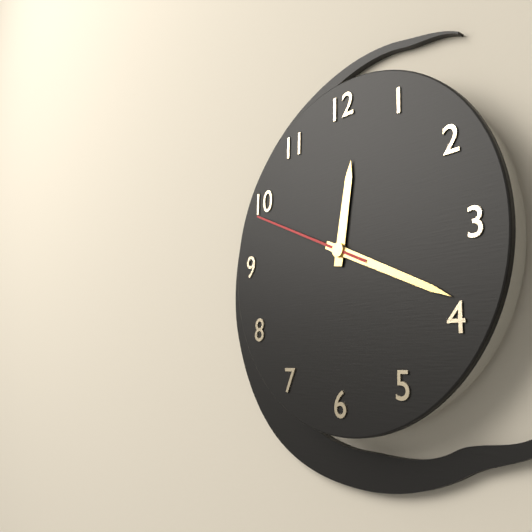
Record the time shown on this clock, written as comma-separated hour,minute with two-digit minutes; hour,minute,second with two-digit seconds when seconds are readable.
12,19,49
